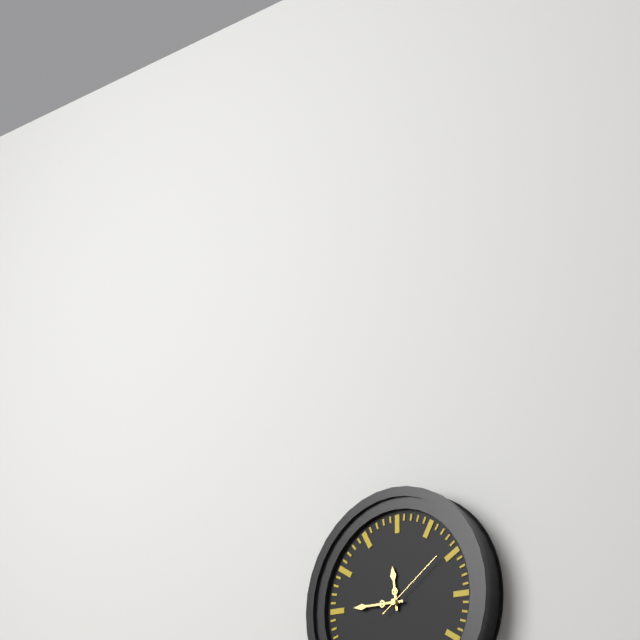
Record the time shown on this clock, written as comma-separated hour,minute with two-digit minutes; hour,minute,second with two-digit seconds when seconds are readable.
11,45,09
